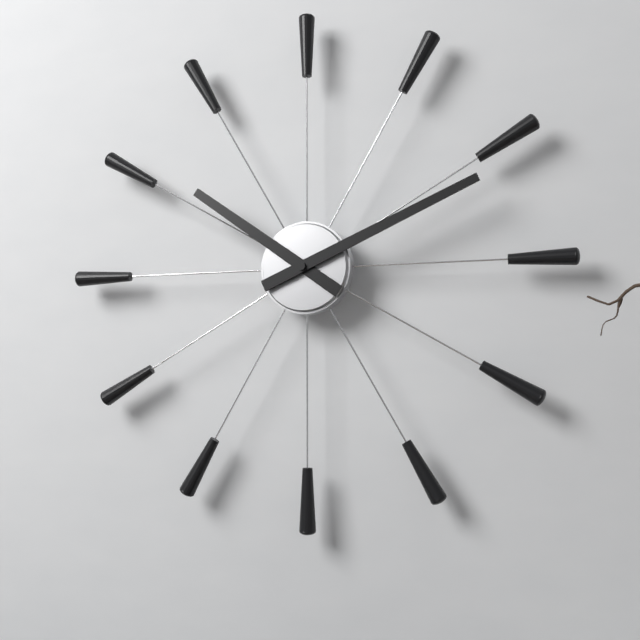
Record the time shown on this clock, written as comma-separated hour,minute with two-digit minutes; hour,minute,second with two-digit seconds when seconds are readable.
10,11
